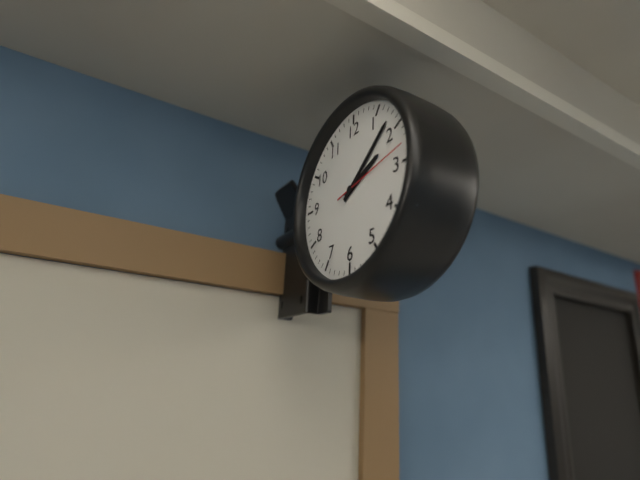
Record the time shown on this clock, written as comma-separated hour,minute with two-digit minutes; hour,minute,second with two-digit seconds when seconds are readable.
2,08,13
